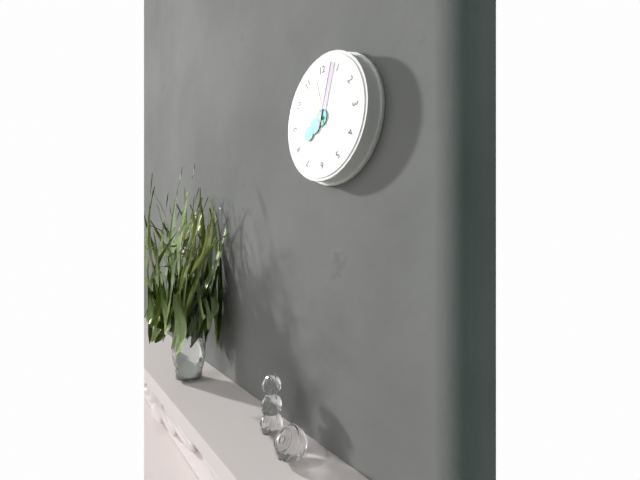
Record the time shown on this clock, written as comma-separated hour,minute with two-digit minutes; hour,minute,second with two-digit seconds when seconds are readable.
8,03,57
